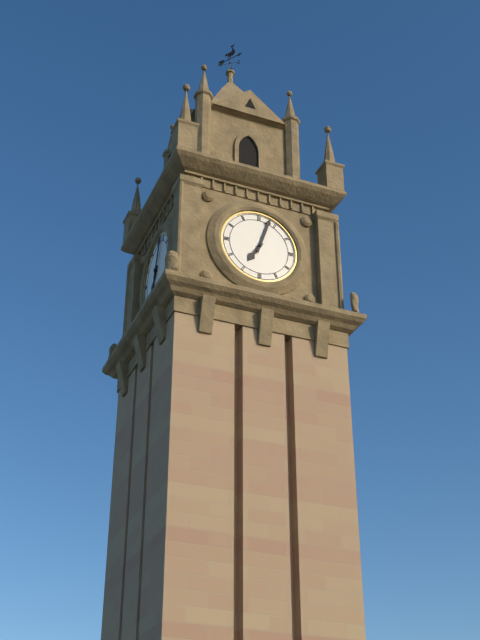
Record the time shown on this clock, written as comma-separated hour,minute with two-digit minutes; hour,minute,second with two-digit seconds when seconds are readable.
7,03
